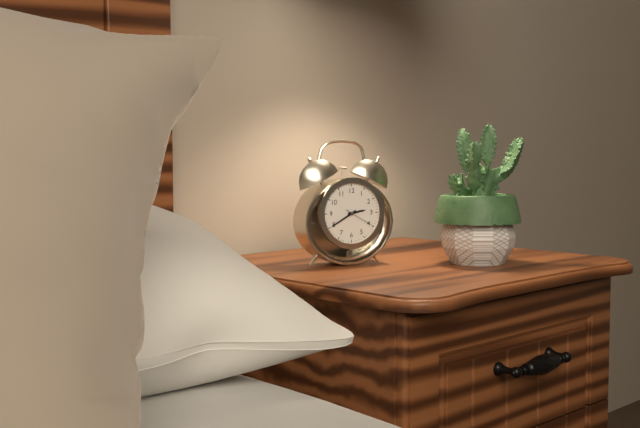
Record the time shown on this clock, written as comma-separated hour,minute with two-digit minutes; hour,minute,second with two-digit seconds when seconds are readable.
2,40
